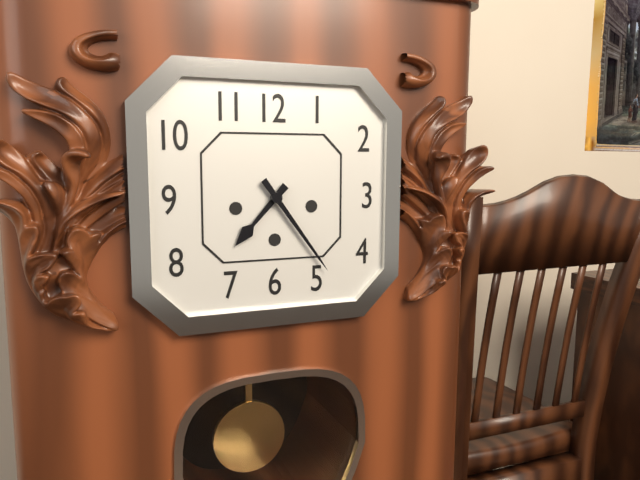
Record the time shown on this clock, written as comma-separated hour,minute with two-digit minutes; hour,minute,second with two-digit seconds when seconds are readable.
7,24
